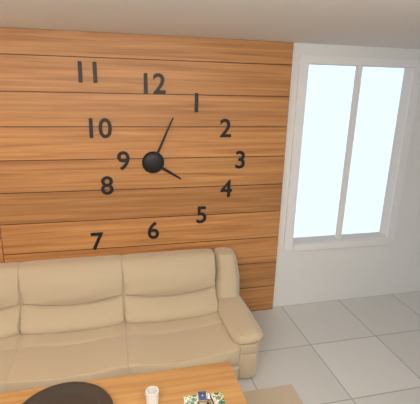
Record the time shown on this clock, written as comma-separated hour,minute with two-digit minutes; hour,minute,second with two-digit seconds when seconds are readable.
4,04
